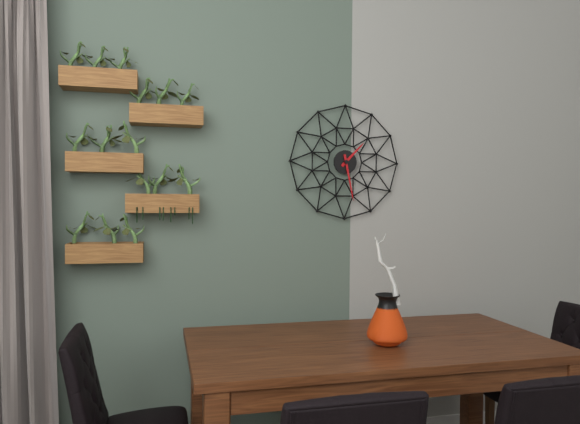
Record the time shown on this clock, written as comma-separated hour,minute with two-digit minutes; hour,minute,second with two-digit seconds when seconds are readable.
1,28
